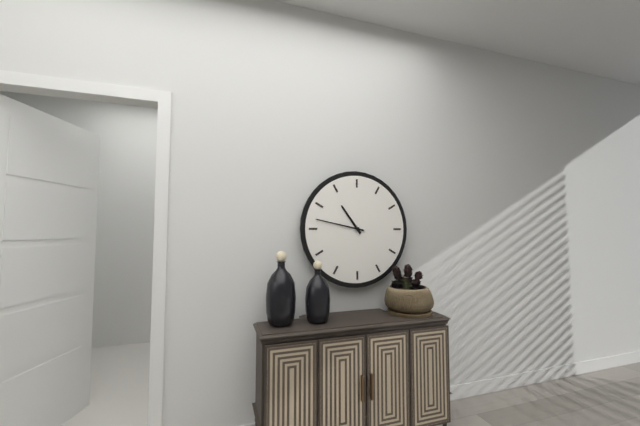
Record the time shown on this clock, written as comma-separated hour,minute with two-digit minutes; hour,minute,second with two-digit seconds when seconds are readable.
10,47
